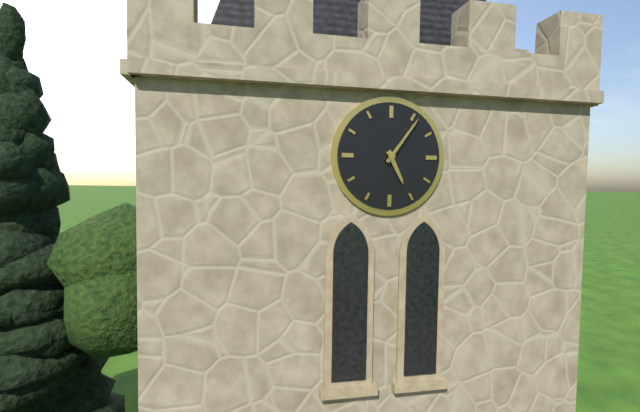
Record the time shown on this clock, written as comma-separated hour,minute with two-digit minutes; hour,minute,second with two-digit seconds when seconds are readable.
5,06
